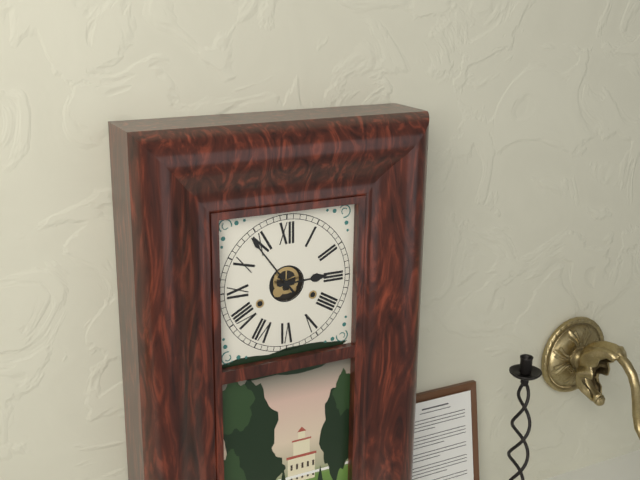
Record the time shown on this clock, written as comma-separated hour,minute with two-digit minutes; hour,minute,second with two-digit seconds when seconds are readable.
2,54
